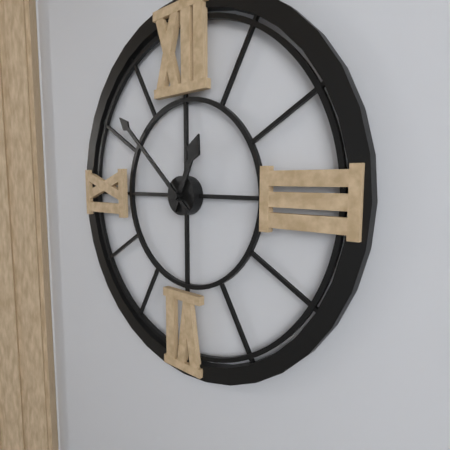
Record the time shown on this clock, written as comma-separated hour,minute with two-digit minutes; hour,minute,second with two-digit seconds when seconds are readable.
12,52
